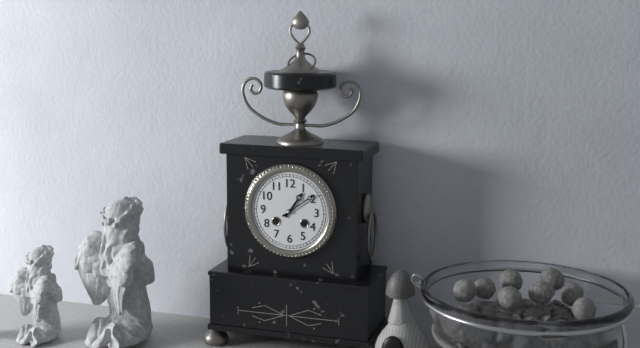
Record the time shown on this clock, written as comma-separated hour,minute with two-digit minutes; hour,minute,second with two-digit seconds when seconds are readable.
1,09
